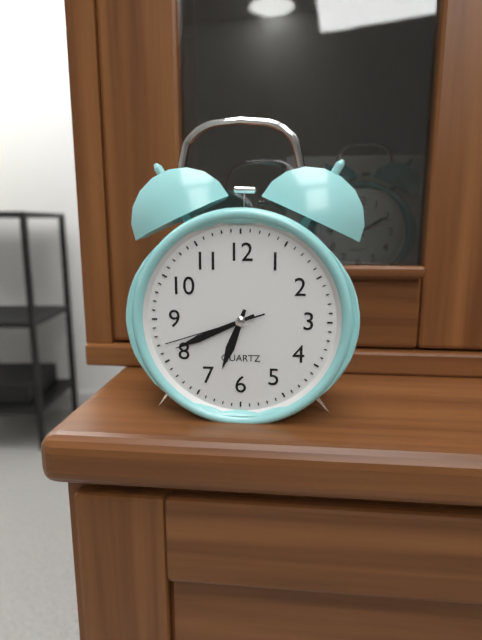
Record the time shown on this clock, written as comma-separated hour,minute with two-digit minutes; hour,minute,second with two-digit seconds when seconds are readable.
6,41,42
